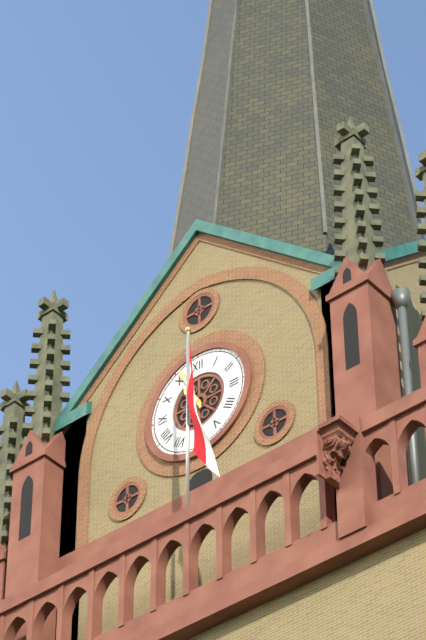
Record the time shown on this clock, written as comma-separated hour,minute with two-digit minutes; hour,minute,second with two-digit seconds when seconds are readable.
10,56
